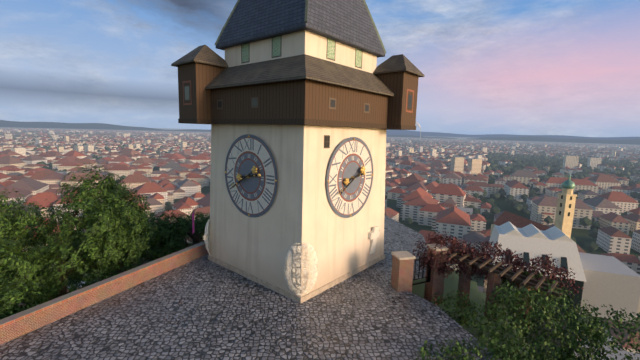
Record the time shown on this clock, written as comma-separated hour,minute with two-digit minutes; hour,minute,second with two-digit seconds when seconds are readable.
2,40
